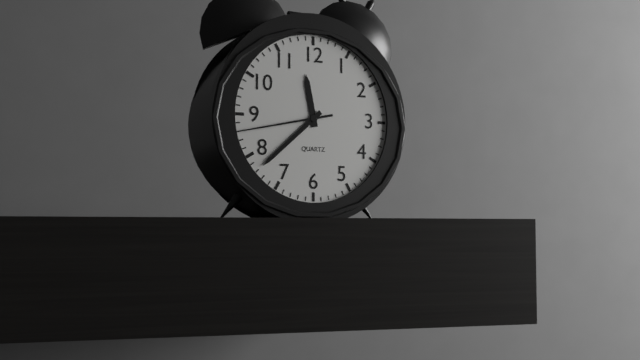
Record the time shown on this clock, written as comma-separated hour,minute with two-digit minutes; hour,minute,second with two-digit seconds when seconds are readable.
11,38,43
